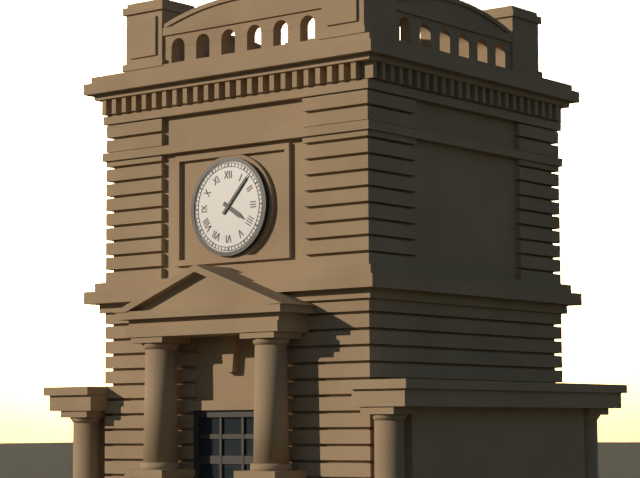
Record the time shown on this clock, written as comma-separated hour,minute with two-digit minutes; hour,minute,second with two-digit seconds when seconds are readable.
4,07
